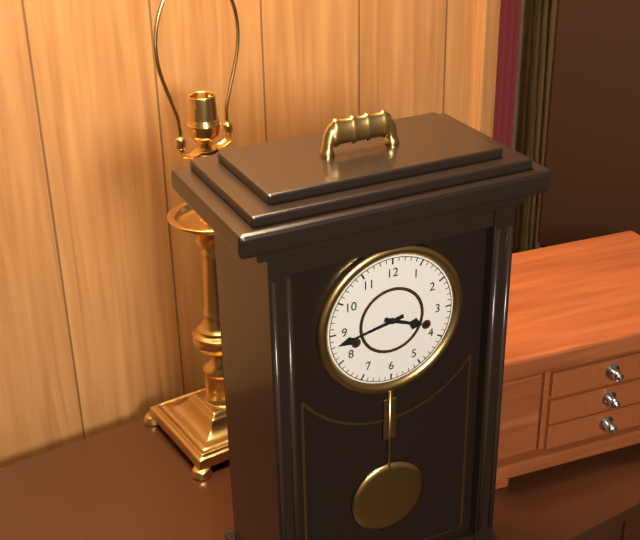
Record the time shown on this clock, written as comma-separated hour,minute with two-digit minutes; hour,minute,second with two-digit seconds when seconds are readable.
3,43
